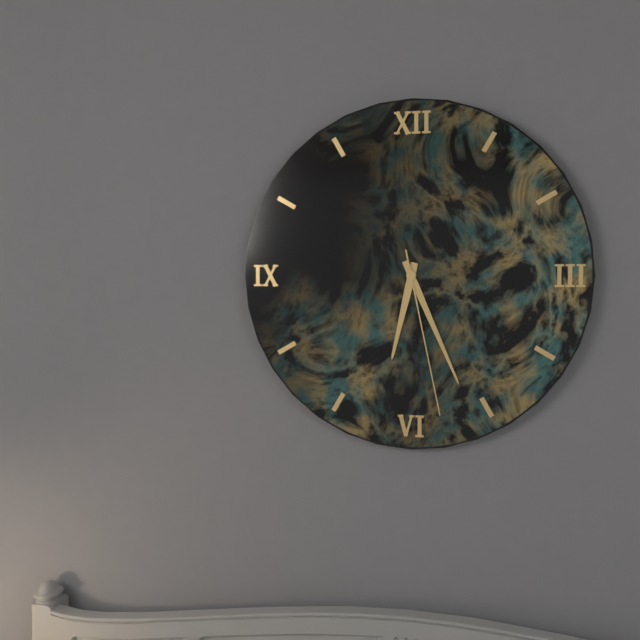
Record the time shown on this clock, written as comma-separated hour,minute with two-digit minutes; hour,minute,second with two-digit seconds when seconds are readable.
6,26,28
